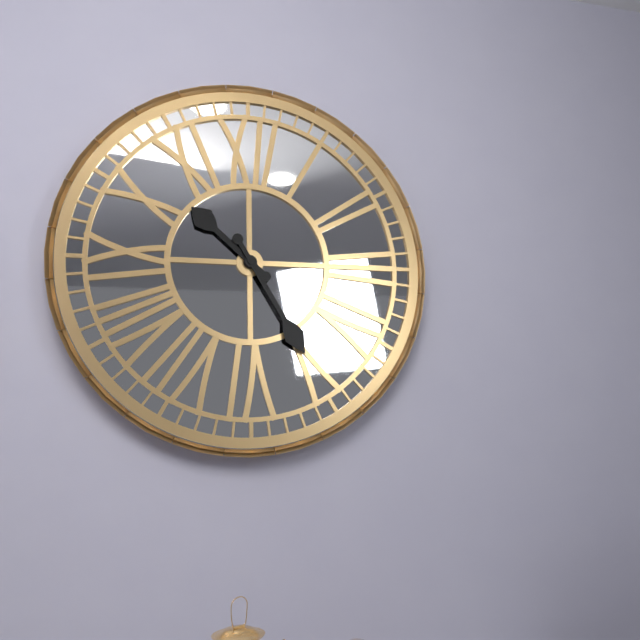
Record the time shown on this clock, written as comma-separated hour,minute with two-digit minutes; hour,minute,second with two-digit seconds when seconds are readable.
10,25
